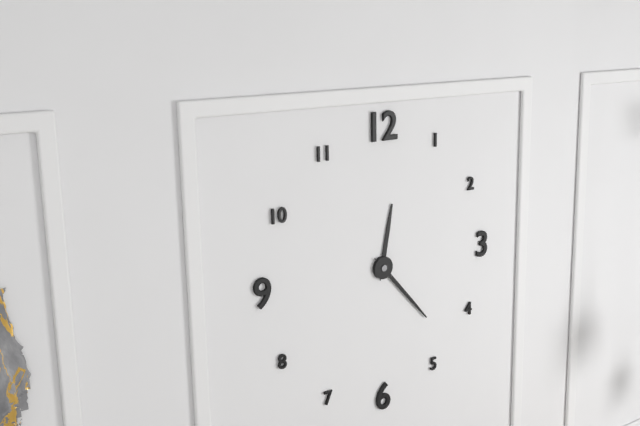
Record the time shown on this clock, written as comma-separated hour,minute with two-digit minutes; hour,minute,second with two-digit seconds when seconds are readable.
12,23
